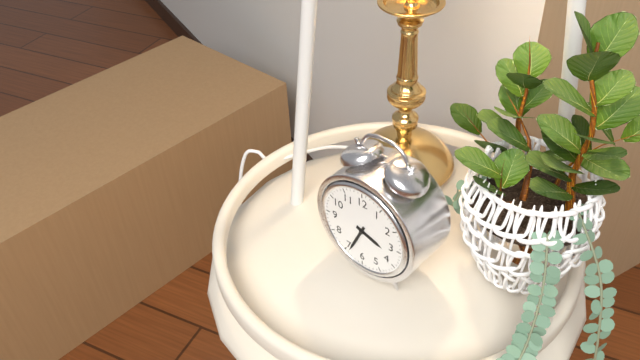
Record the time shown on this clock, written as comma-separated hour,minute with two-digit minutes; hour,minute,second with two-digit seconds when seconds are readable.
3,34
